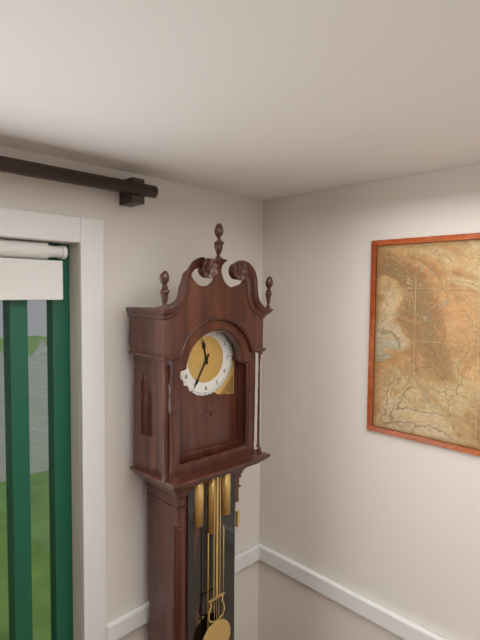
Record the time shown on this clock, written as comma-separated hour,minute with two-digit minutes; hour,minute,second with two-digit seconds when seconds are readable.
11,35
